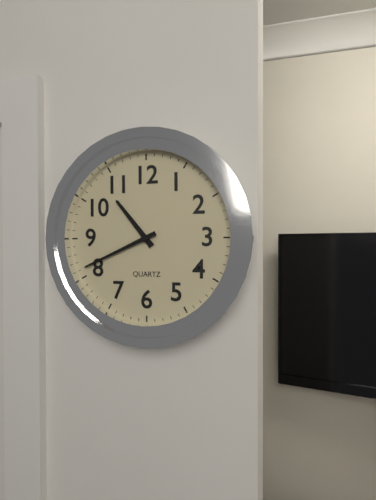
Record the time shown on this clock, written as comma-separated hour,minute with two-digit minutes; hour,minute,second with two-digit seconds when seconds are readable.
10,41
